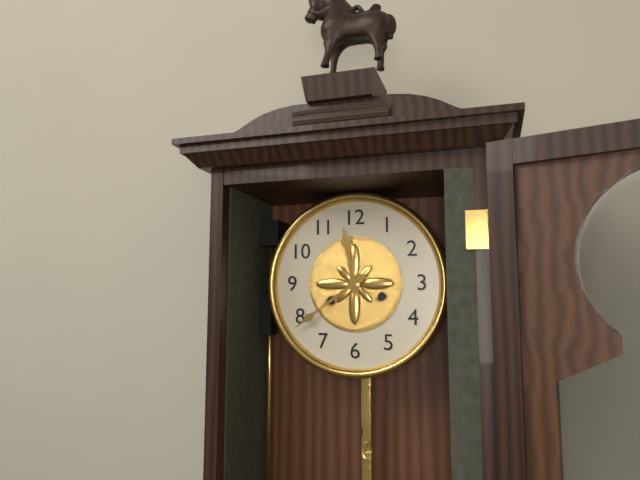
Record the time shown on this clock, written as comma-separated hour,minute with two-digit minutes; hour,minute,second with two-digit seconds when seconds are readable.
11,39
